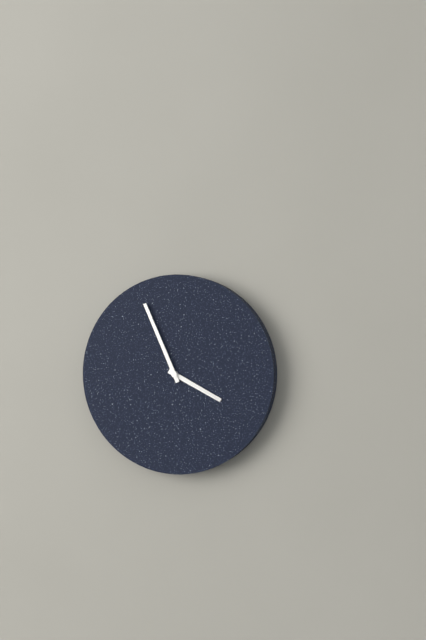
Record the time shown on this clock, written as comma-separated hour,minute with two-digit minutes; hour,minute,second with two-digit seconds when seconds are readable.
3,56
